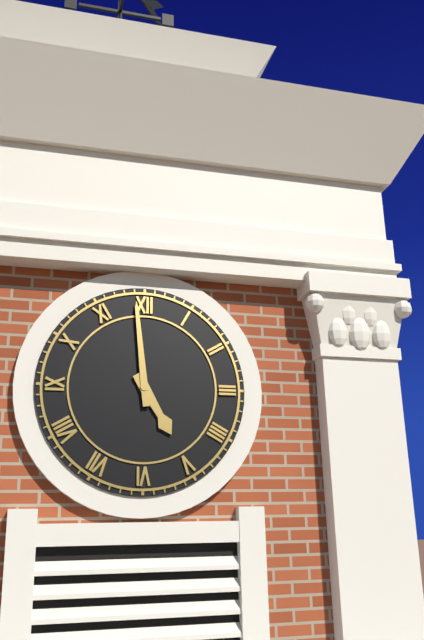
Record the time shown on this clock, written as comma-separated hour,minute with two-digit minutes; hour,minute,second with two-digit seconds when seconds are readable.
4,59
